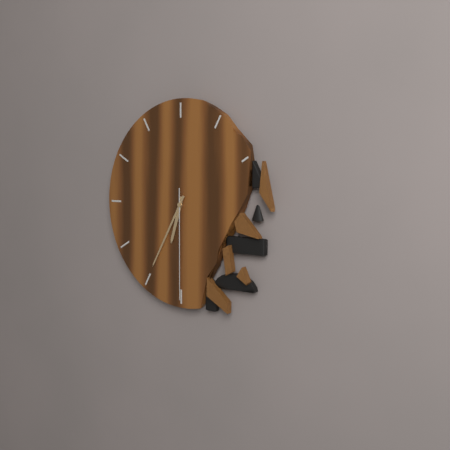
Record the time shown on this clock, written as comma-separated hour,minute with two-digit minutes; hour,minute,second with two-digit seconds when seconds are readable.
6,35,30
